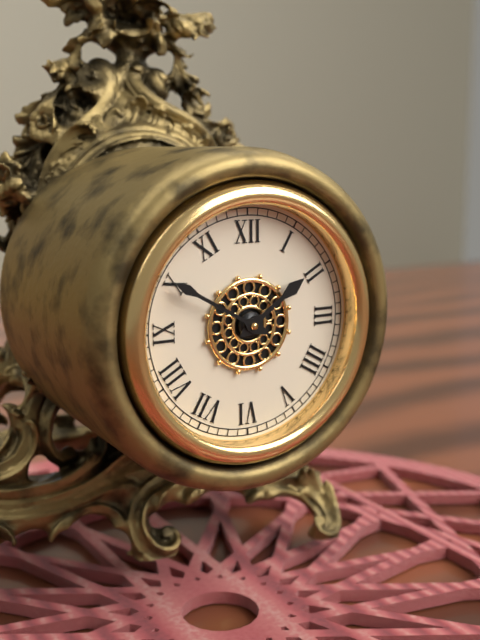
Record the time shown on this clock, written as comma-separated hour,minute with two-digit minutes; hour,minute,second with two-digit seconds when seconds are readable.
1,50
